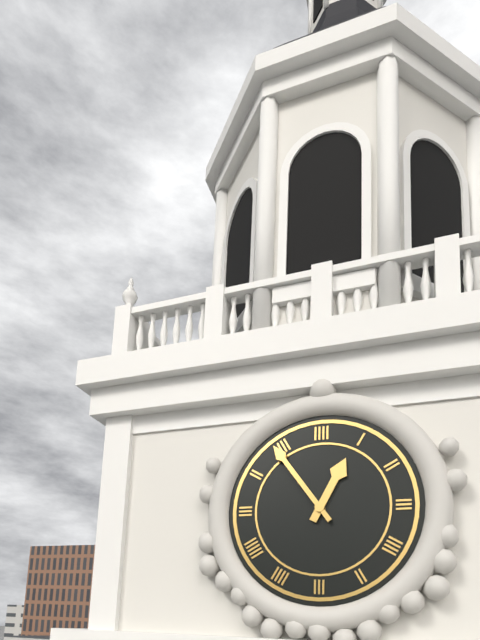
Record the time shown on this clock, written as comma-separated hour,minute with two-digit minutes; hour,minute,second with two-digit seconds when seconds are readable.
12,54
